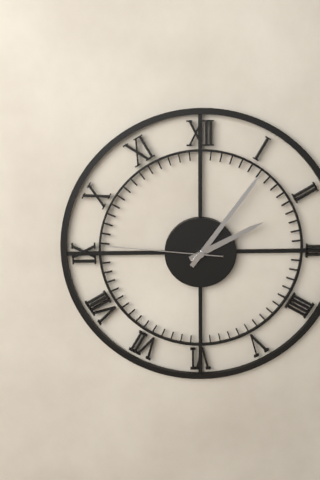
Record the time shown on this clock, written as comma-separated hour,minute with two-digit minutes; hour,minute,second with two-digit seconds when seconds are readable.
2,06,46
